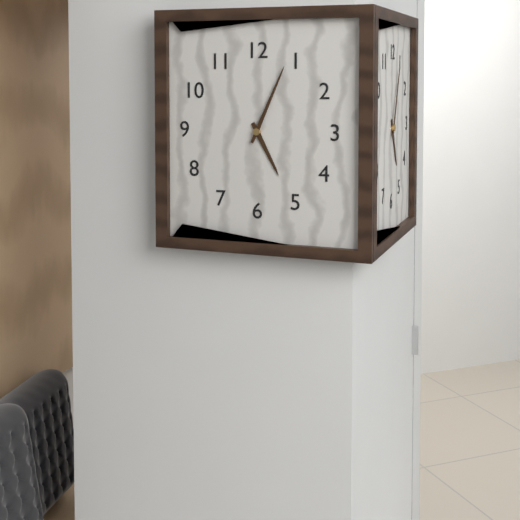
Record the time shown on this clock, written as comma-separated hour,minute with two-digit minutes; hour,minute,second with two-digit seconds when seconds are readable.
5,04
